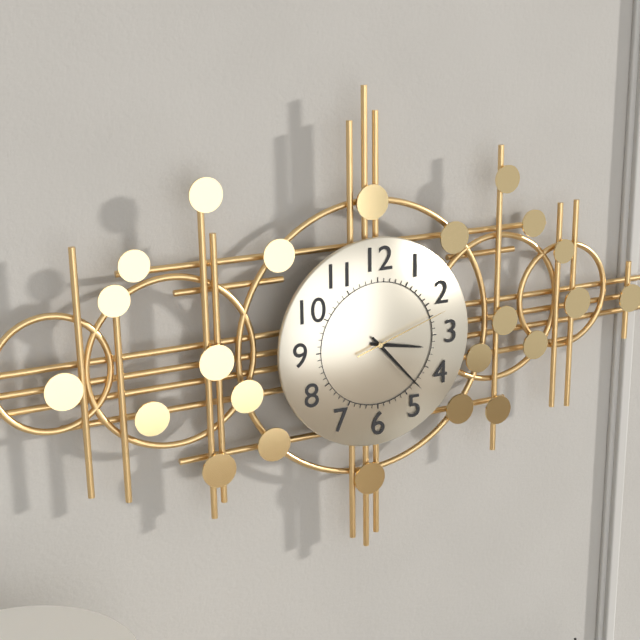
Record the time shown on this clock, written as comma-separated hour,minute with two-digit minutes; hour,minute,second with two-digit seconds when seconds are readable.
3,23,12
